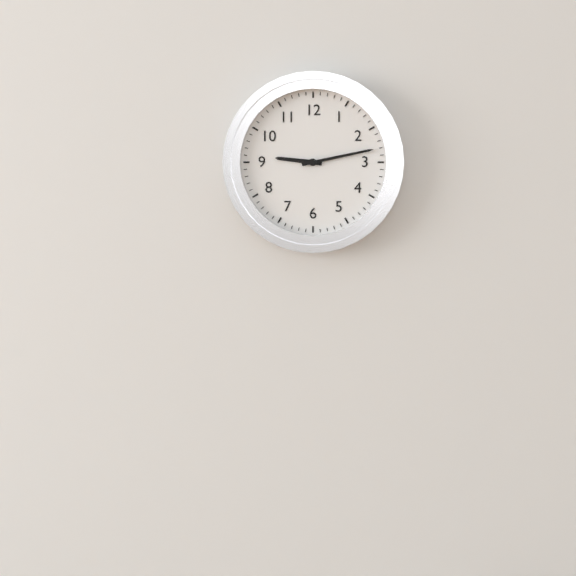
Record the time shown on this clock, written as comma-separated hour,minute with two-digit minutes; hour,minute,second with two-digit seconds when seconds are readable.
9,13
